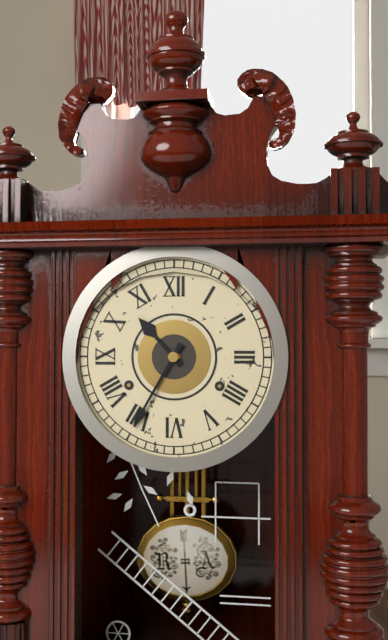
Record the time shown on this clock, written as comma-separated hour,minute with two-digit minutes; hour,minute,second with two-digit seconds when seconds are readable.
10,35
